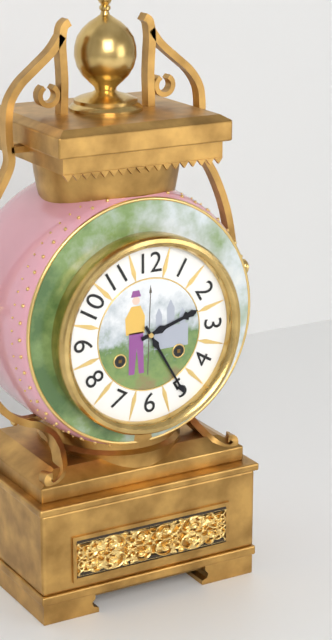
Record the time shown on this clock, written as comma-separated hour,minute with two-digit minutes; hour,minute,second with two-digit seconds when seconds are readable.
2,25
